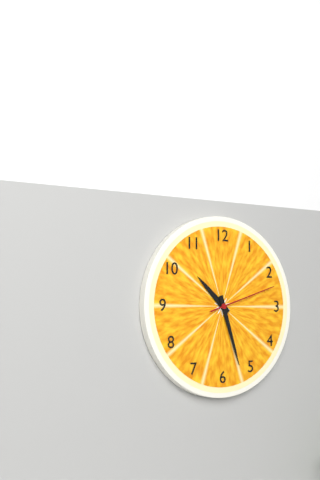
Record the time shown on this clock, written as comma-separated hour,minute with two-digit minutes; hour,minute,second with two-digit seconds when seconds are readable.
10,27,12
